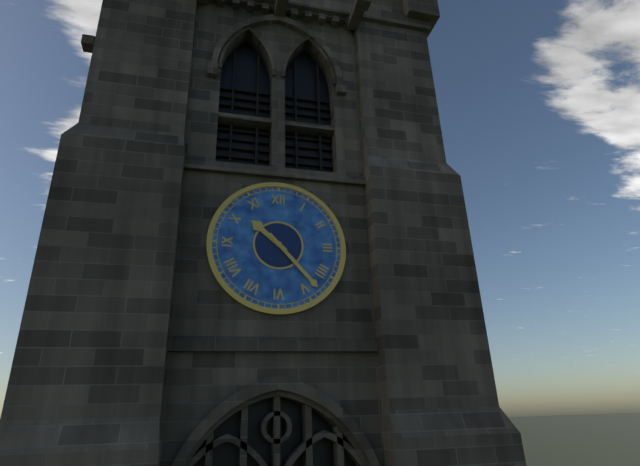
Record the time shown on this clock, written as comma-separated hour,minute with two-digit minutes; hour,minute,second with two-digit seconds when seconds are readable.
10,23
